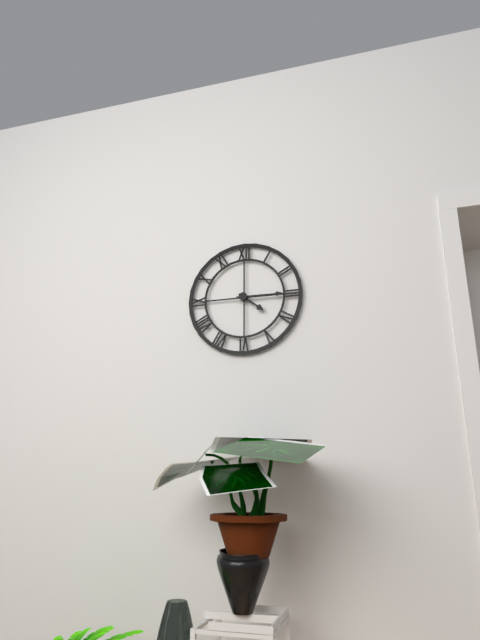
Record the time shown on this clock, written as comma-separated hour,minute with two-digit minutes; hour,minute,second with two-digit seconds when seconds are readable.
4,15
